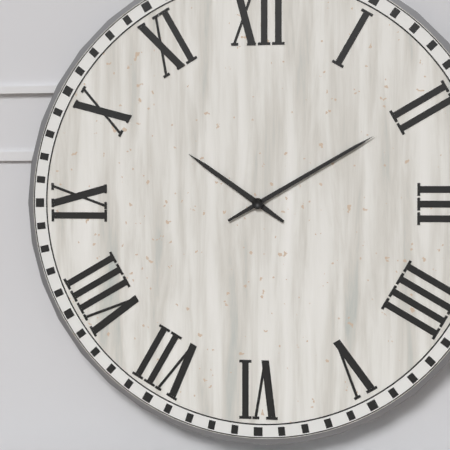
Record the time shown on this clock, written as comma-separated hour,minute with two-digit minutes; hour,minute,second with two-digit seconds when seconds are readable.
10,10
